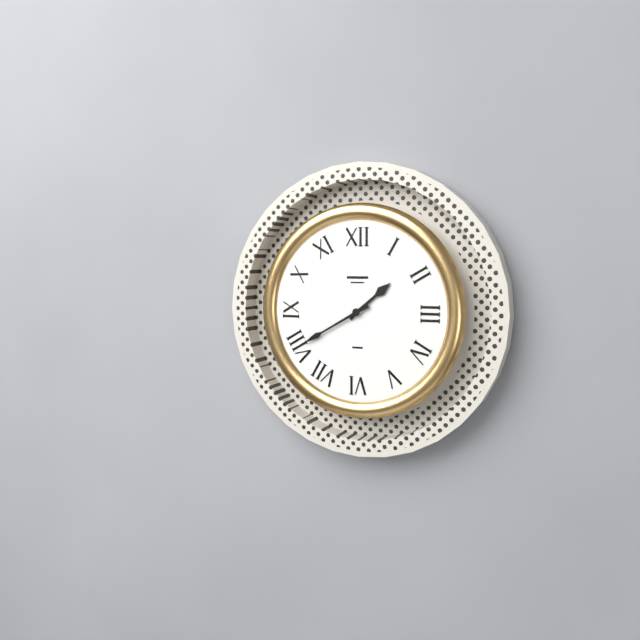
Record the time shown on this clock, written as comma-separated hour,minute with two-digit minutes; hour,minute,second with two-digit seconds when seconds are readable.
1,40
